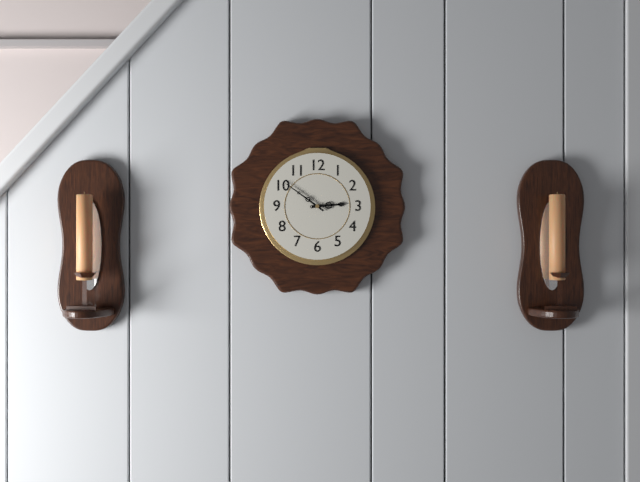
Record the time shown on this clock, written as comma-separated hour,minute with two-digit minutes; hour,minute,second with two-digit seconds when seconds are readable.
2,51
